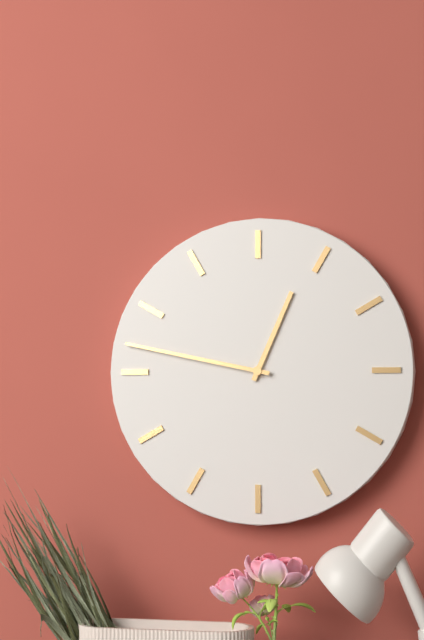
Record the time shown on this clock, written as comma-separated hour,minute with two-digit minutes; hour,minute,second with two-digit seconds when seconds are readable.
12,47
